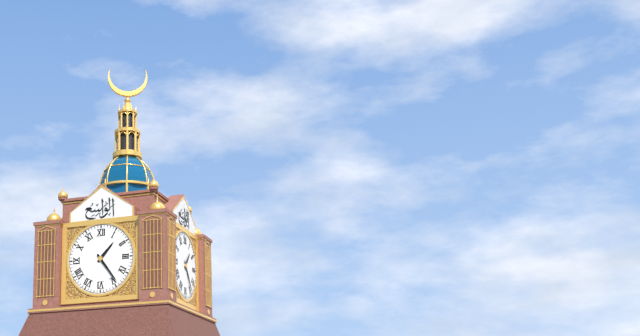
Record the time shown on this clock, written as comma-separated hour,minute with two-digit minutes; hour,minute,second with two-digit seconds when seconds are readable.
1,24
